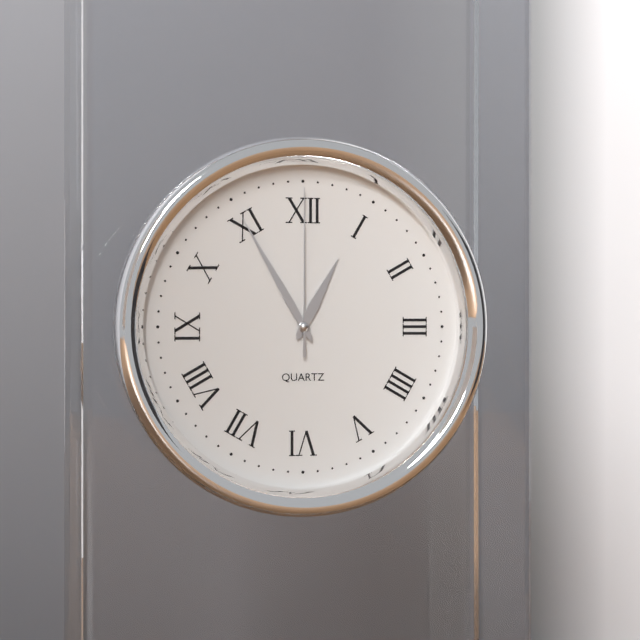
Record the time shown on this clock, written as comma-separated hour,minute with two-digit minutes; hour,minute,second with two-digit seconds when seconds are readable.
12,55,00
